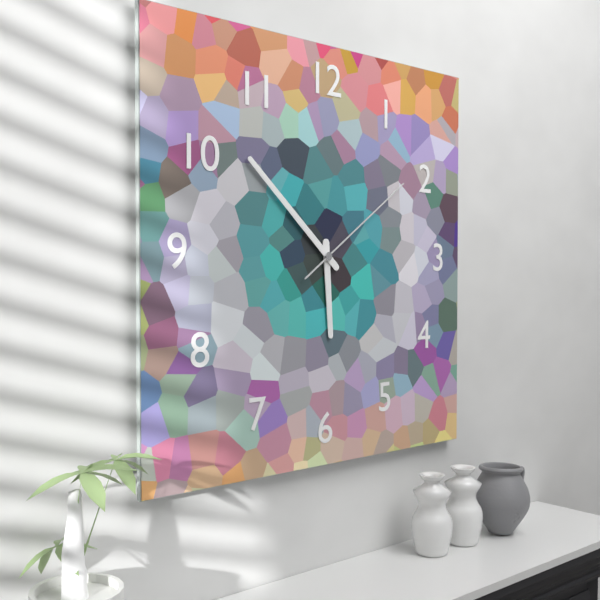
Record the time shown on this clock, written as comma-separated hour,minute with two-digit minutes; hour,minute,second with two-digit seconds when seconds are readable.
5,52,09
